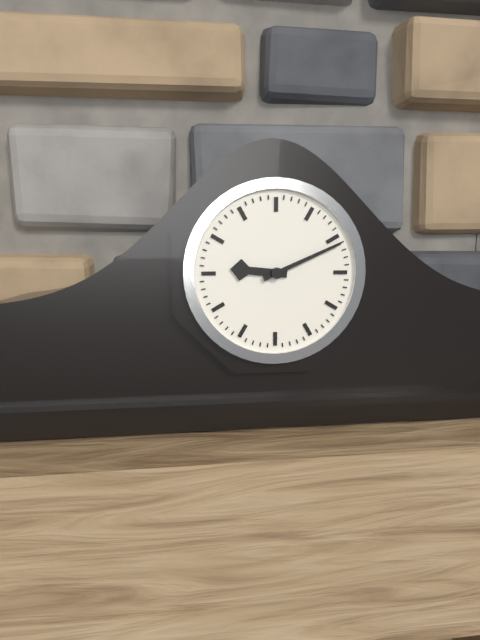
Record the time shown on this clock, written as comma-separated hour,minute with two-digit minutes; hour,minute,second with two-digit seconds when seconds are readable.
9,11
